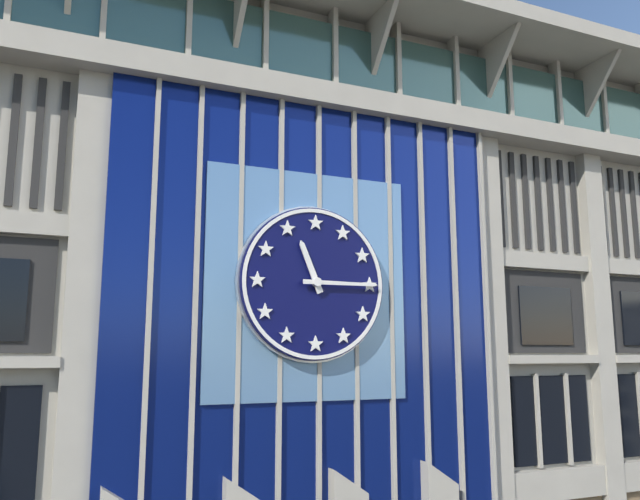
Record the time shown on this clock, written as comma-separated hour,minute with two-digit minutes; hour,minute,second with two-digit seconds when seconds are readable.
11,15
